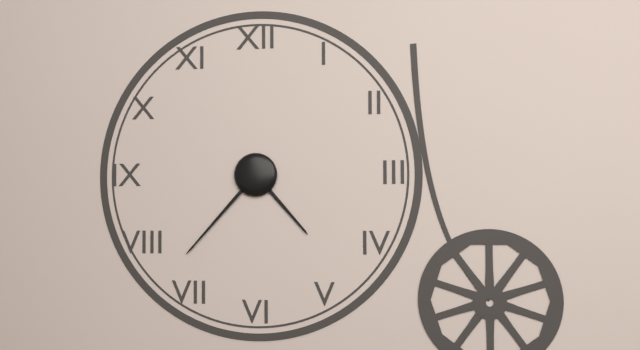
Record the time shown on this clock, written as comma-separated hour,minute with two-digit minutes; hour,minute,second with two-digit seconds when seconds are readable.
4,37
